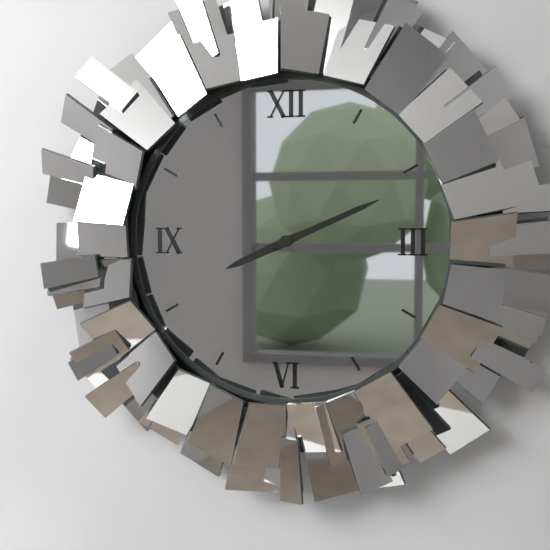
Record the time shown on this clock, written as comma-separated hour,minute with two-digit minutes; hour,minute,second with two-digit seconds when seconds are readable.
8,11
